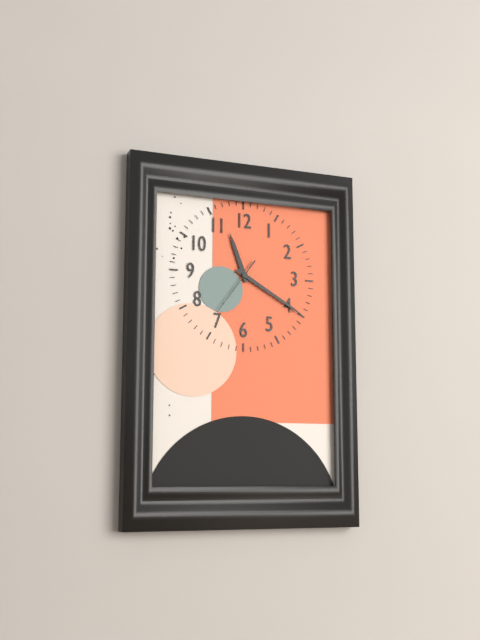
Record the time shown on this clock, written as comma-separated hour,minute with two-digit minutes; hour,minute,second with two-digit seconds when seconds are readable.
11,20,36
